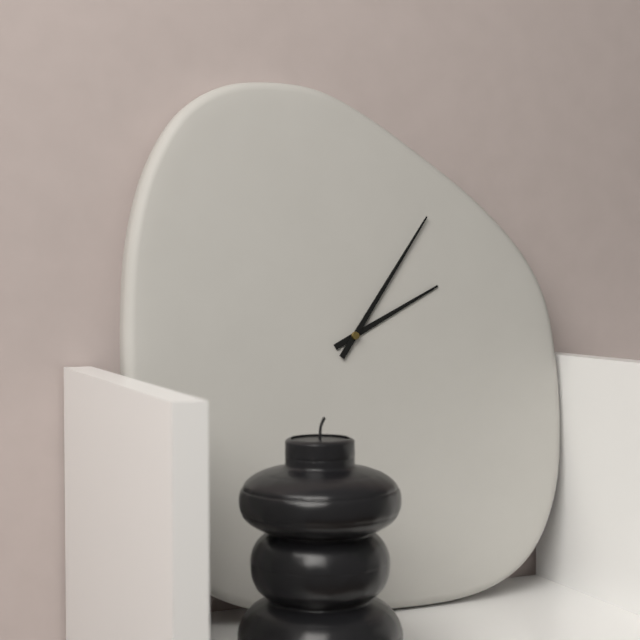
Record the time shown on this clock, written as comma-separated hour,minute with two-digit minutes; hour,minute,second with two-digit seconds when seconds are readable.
2,06
